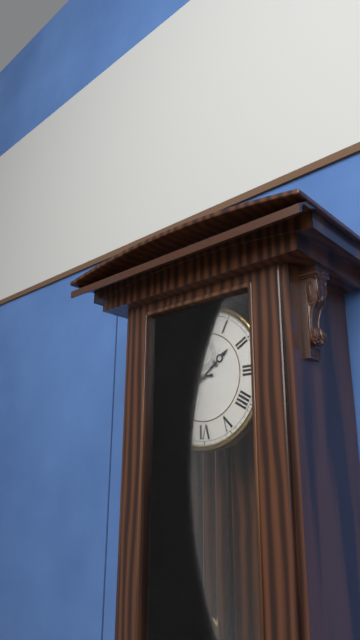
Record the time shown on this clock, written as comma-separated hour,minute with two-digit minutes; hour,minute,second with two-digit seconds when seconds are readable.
1,45
